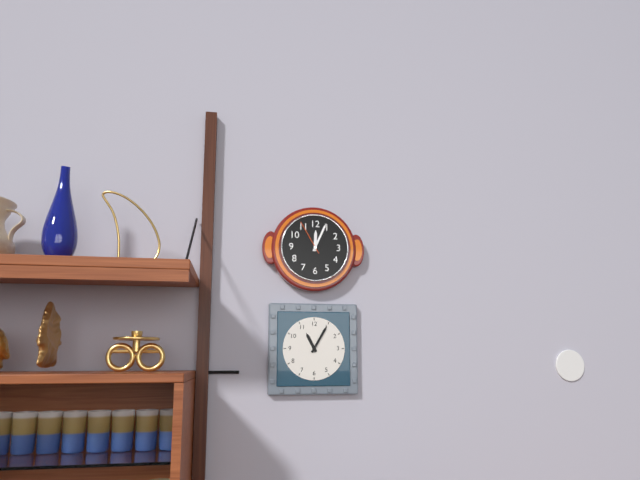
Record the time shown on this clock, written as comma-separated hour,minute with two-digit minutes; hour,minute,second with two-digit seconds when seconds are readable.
12,04
